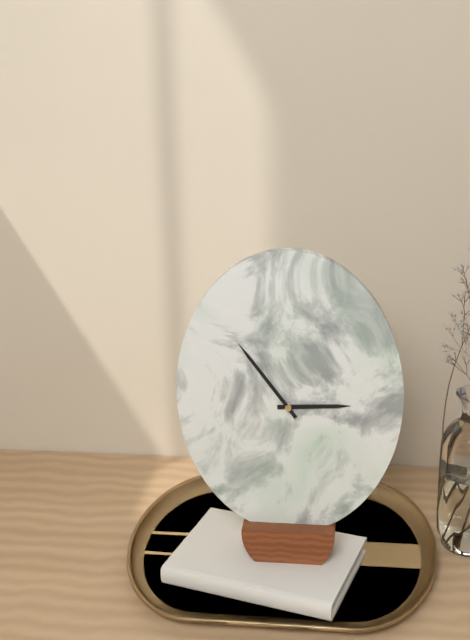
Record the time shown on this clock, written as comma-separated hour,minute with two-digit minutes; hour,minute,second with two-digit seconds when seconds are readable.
2,54
